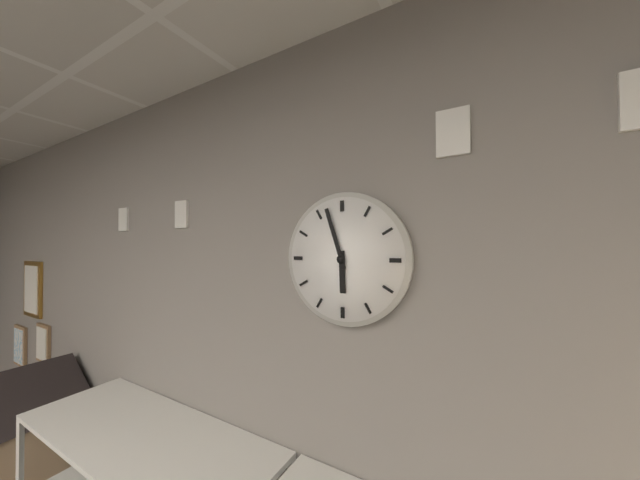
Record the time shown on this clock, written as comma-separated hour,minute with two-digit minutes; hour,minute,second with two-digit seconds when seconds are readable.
5,57
